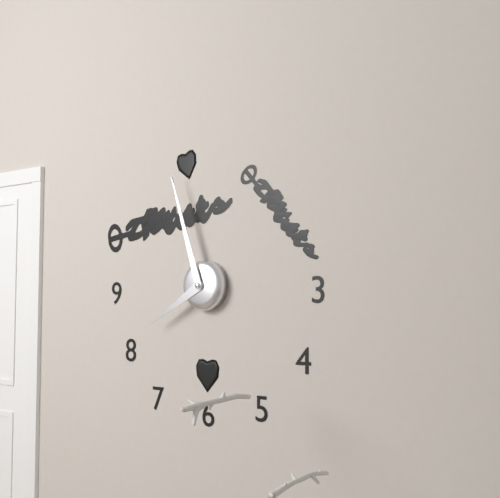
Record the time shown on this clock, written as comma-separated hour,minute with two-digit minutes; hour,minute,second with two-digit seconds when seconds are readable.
7,57
